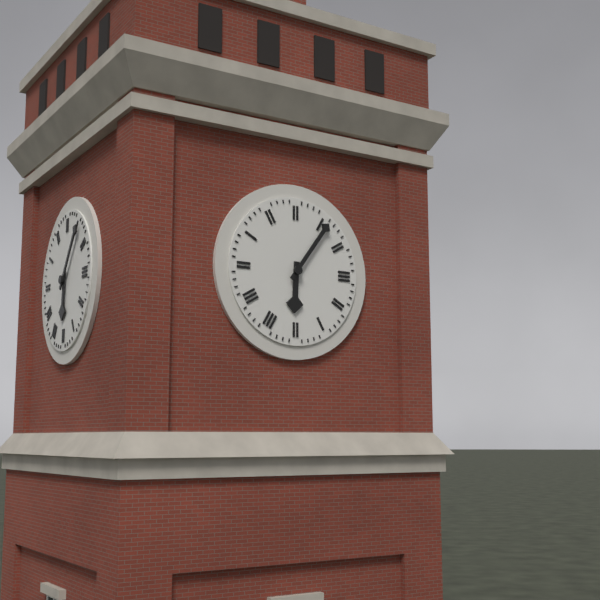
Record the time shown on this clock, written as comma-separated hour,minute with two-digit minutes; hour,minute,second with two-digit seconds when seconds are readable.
6,06
